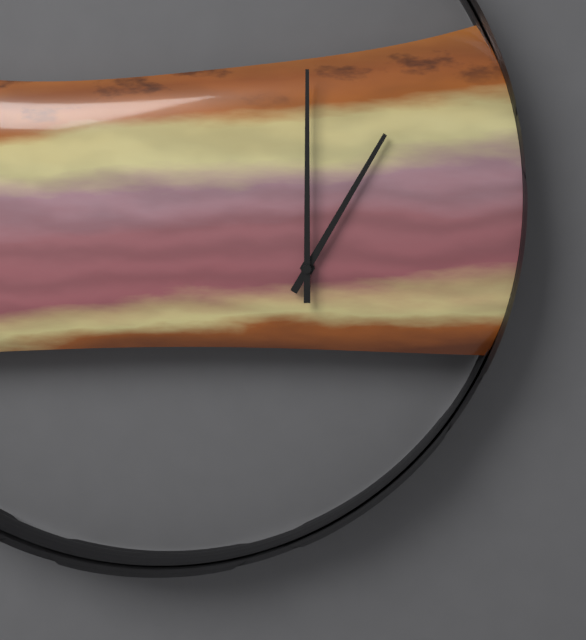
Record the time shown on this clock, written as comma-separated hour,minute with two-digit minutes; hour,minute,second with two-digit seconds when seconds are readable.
1,00
